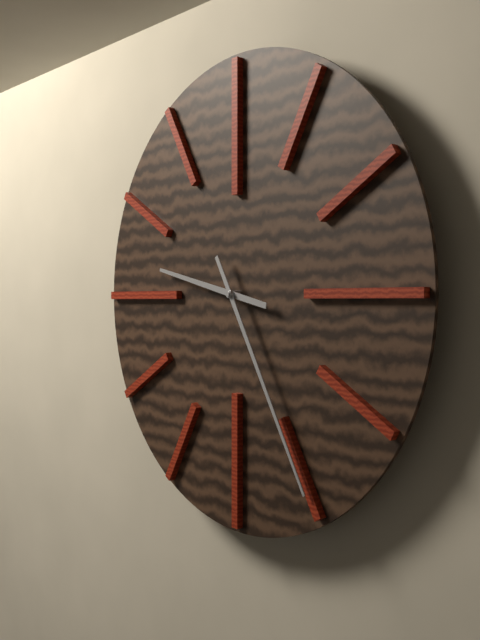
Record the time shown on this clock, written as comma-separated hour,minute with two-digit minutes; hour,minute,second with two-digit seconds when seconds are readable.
9,25
